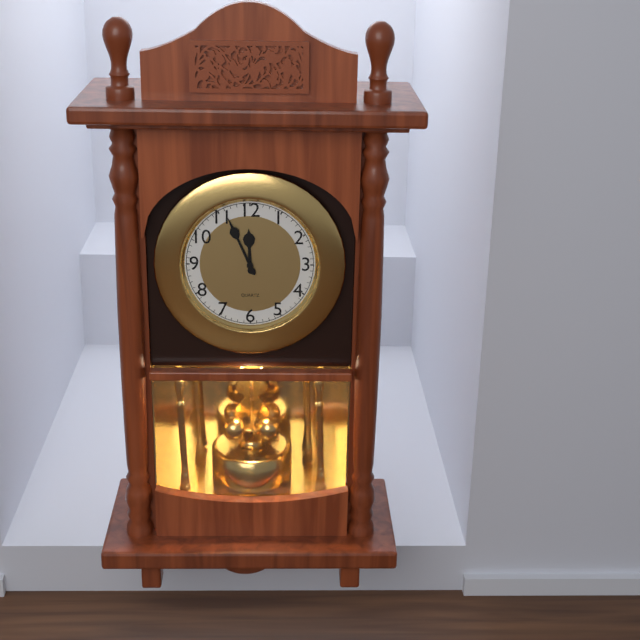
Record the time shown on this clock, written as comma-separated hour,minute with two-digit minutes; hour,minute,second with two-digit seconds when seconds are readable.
11,56
